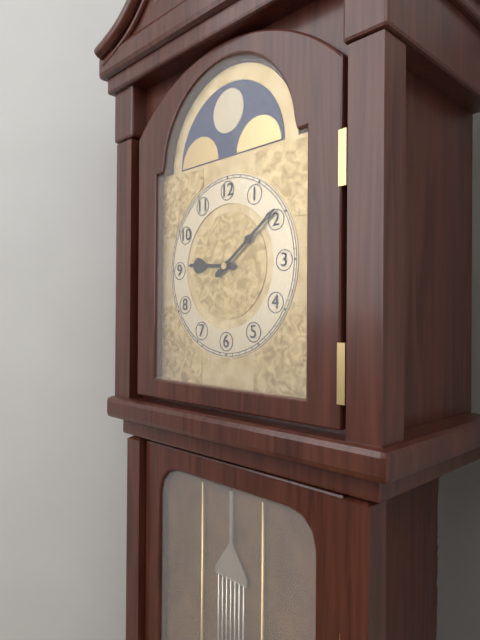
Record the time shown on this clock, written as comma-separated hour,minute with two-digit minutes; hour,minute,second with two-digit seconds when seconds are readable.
9,09
